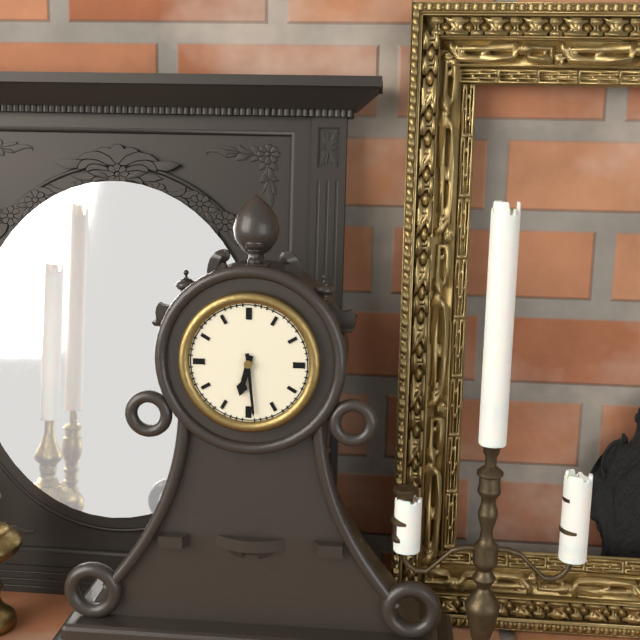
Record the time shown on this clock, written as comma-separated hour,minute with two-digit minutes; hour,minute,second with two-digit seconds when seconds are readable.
6,29
